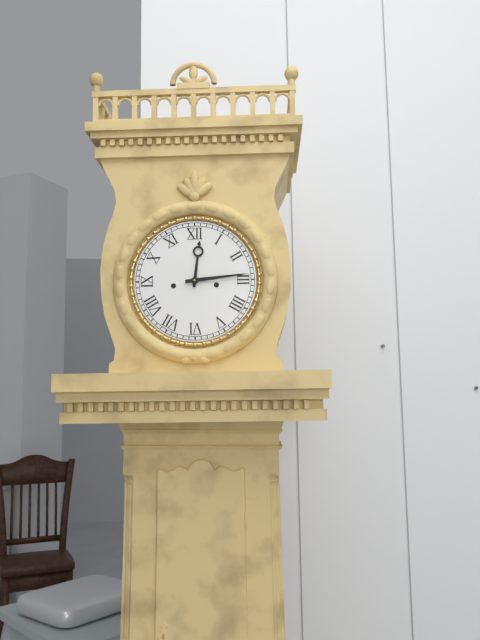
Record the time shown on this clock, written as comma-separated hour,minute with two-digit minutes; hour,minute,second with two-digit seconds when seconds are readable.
12,14
